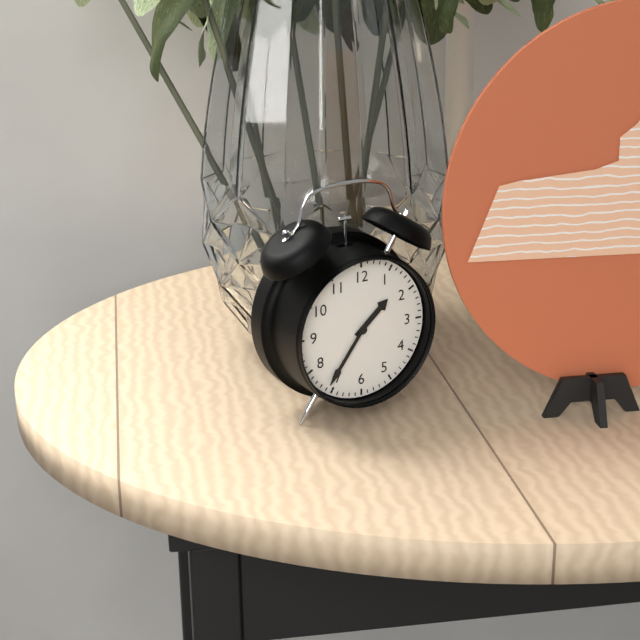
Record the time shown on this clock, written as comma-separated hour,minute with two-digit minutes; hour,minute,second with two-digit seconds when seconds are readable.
1,36
